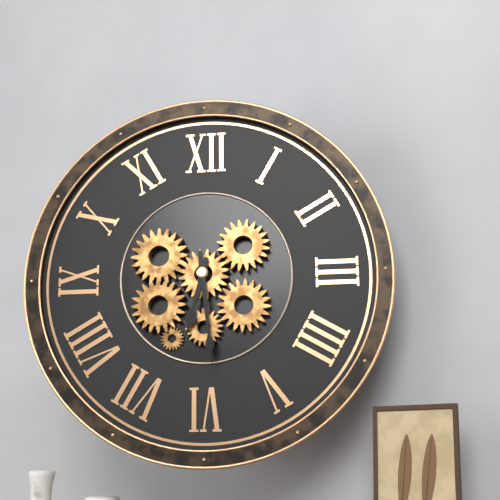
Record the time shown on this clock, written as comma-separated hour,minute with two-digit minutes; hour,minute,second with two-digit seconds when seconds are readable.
6,29
